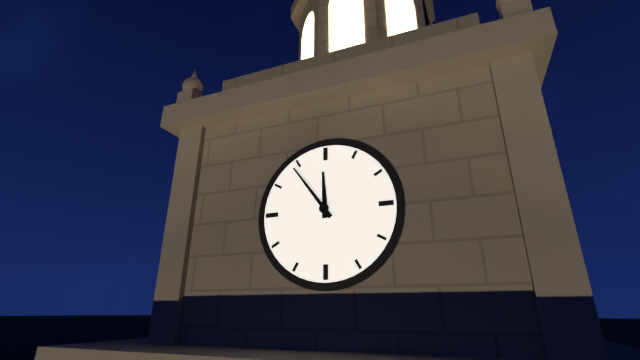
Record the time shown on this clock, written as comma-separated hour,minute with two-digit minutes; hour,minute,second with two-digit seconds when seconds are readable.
11,54
